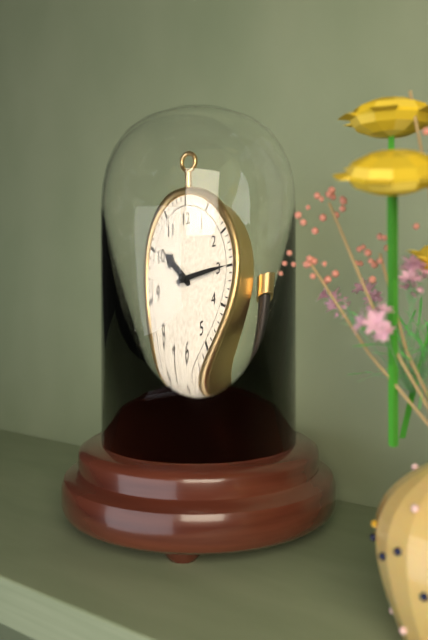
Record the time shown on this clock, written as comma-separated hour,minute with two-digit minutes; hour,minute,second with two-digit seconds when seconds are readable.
10,15
